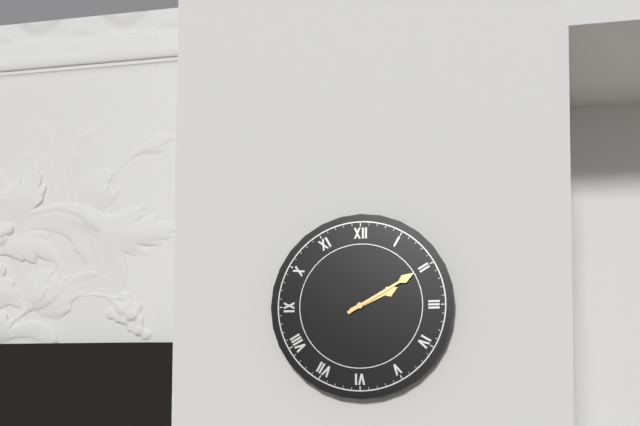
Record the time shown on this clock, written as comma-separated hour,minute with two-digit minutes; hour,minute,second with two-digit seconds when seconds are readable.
2,10
